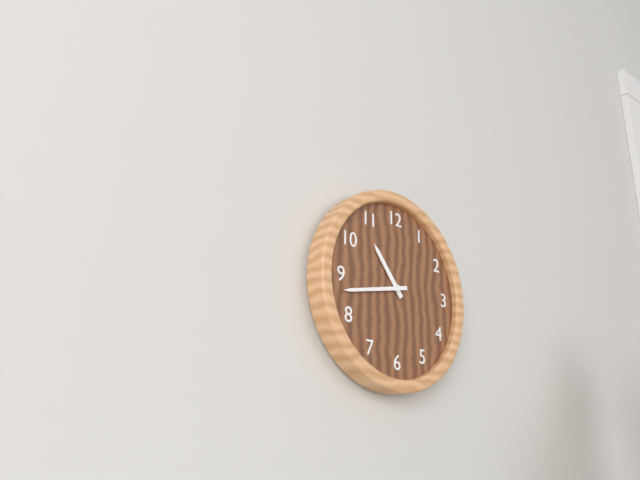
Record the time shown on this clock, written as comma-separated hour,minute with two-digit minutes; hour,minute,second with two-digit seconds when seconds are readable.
10,43
